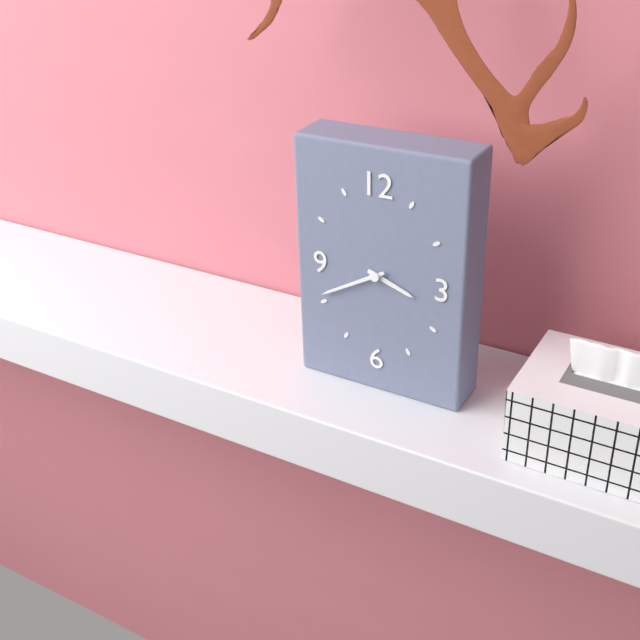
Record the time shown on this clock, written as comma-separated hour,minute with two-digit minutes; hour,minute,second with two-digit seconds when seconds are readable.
3,40
